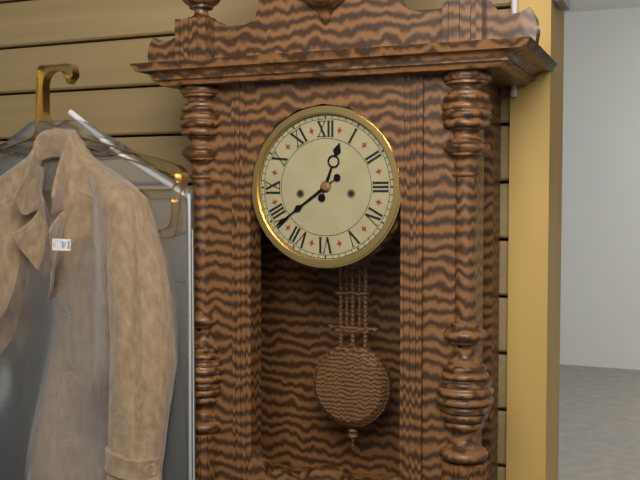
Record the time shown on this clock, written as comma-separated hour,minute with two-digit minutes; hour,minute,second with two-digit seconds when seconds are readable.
12,39
